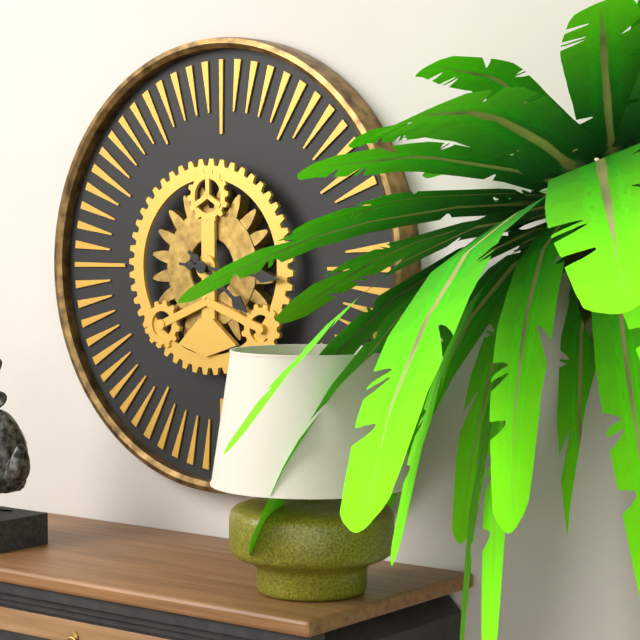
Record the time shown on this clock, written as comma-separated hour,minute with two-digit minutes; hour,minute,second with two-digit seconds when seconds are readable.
4,16
